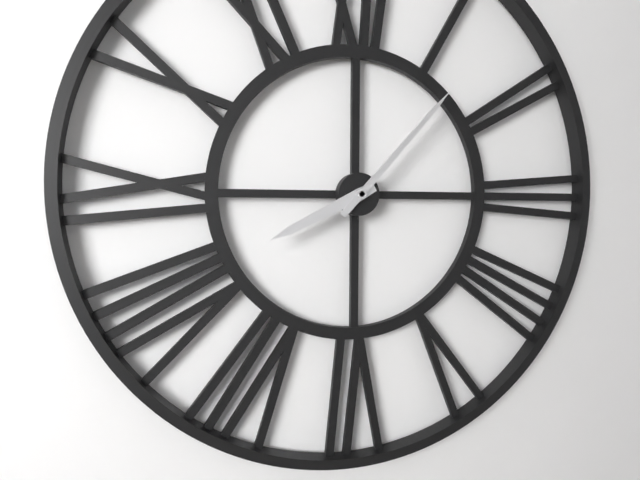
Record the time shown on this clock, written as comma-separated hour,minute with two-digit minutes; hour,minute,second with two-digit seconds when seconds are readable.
8,07
